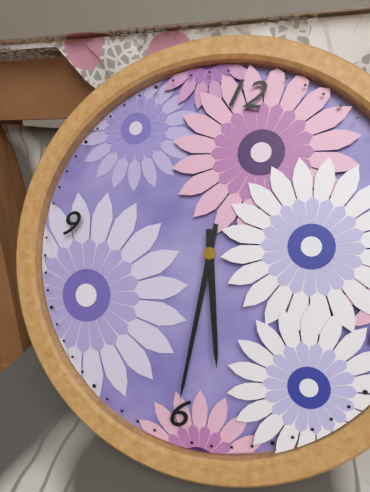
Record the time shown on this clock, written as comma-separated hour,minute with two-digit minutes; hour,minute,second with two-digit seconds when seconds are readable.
5,30
